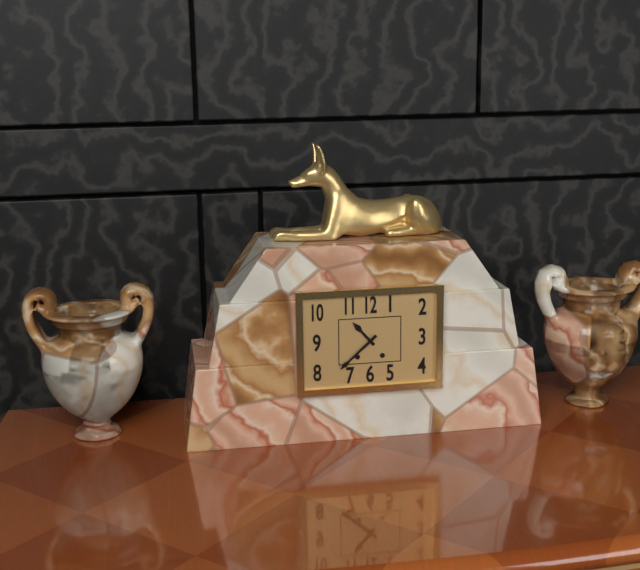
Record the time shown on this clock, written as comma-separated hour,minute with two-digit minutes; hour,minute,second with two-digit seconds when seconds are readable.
10,38
